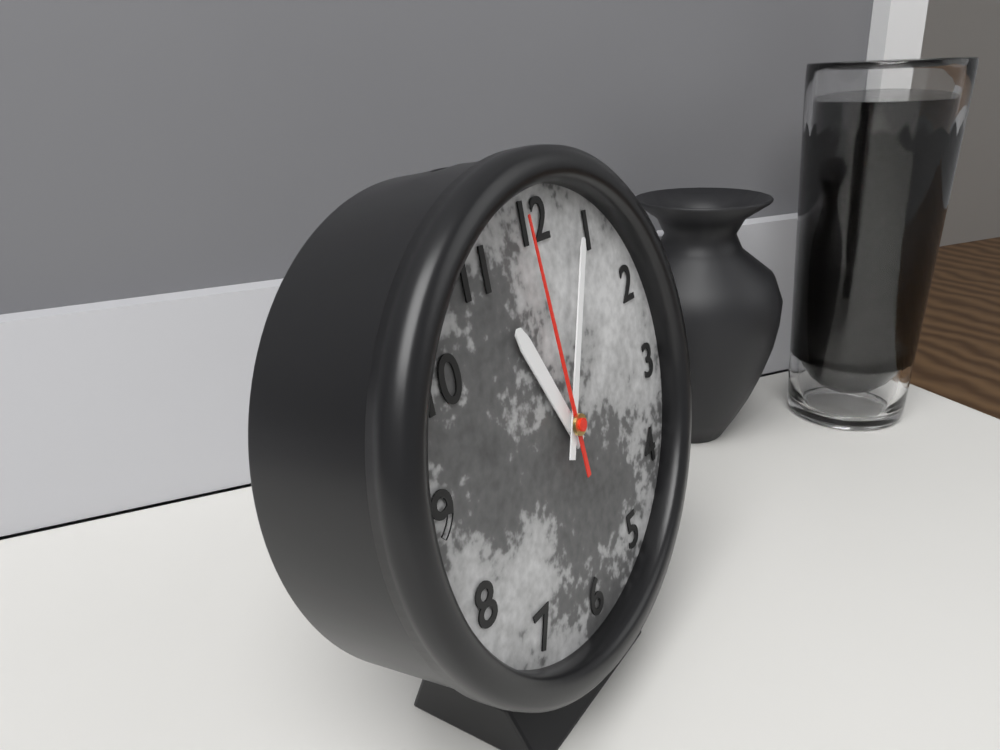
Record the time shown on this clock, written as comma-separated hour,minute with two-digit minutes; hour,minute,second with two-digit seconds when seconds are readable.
11,04,59
